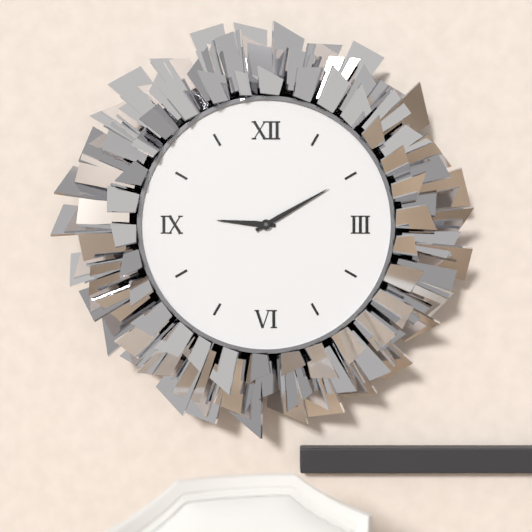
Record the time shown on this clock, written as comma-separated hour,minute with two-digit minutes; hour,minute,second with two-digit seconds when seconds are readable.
9,10
